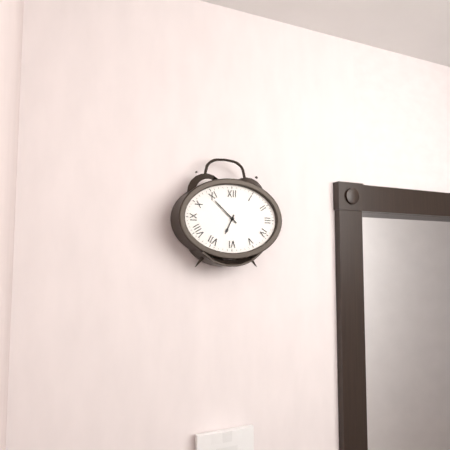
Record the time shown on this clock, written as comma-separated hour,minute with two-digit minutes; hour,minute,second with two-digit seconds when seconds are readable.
6,52
